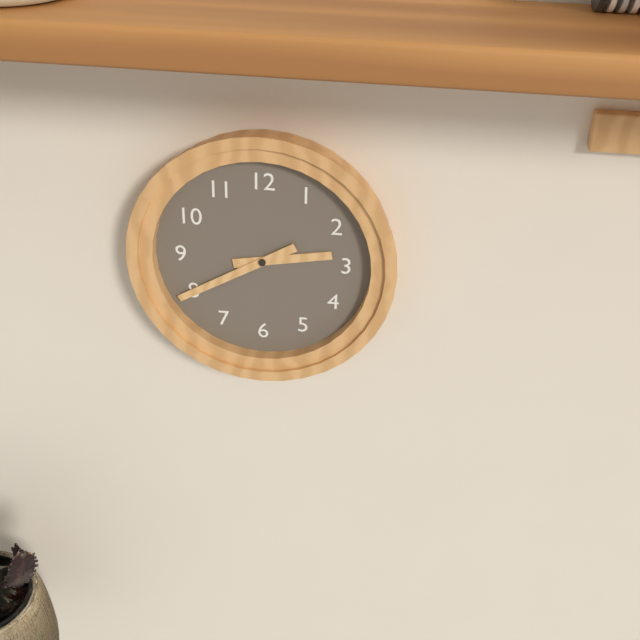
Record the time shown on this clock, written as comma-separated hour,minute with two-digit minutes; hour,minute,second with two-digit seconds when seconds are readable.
2,40
